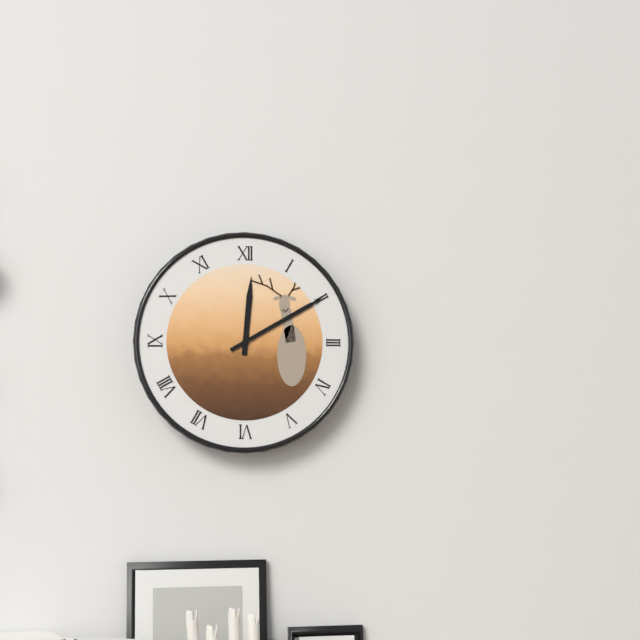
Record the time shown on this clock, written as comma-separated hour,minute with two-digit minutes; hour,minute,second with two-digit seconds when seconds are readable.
12,10
